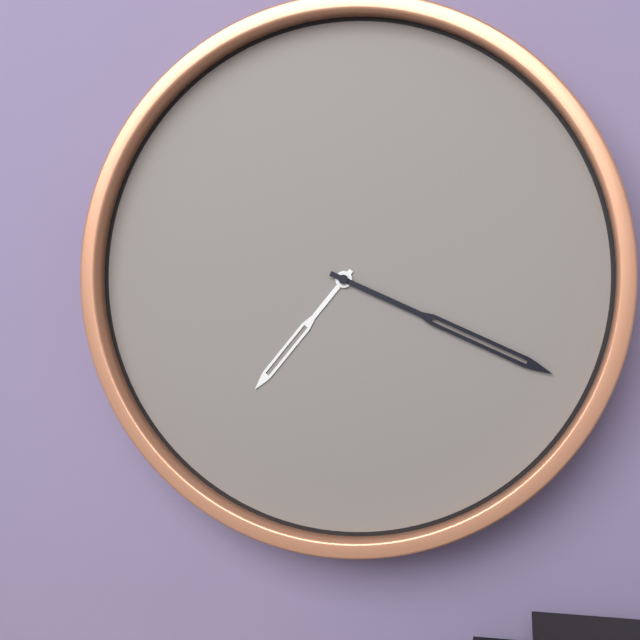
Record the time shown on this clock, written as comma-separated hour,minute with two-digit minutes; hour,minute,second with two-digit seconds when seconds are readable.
7,19
